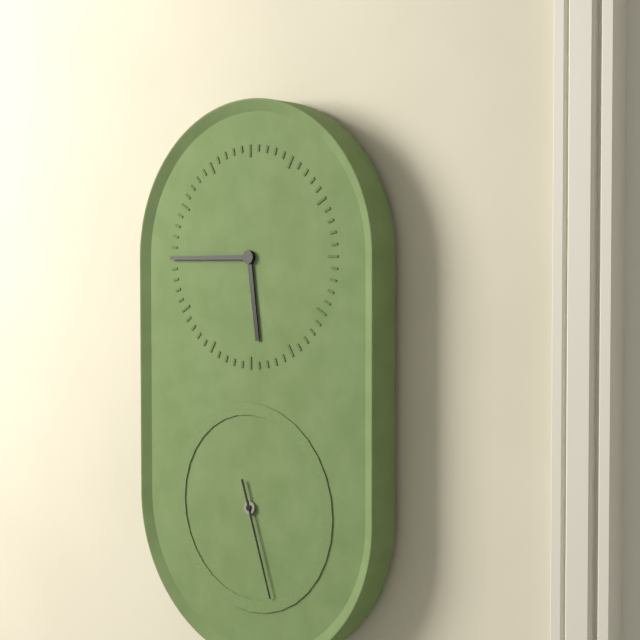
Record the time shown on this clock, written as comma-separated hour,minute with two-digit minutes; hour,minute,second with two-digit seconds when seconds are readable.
5,45,27
